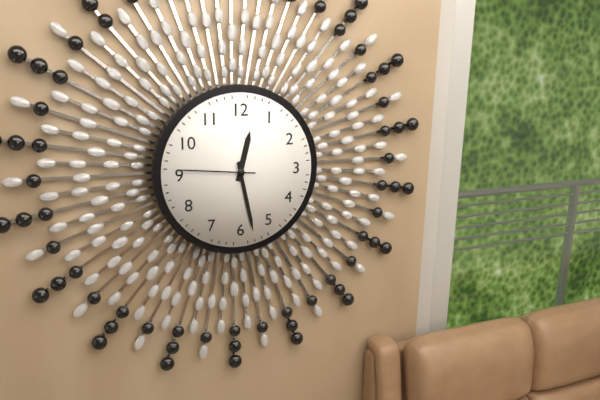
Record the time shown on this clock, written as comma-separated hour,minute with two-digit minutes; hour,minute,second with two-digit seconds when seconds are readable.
12,28,46
